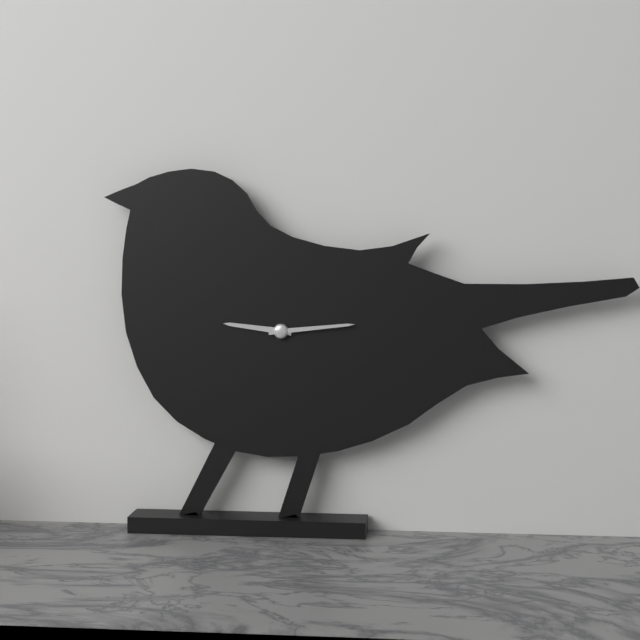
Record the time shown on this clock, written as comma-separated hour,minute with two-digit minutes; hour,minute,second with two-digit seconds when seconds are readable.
9,14
